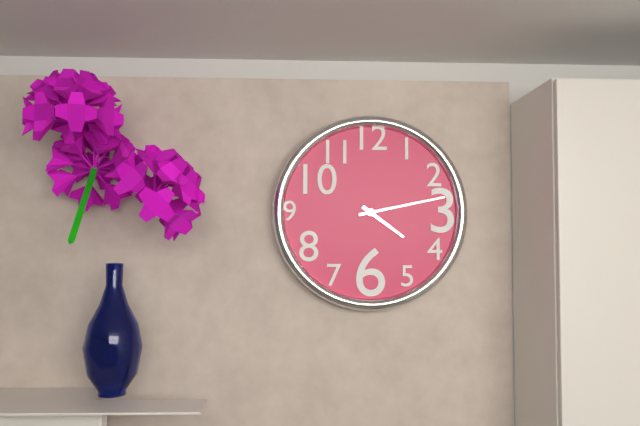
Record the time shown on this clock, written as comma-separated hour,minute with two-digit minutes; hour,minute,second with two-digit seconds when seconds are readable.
4,13
